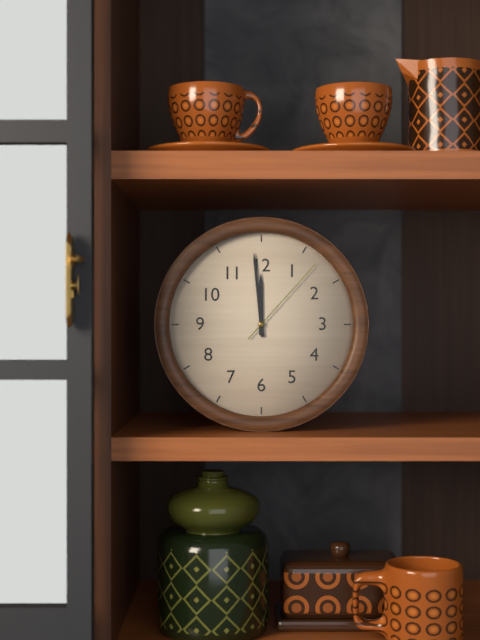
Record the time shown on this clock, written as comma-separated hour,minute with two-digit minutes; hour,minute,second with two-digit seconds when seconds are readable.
11,59,07
